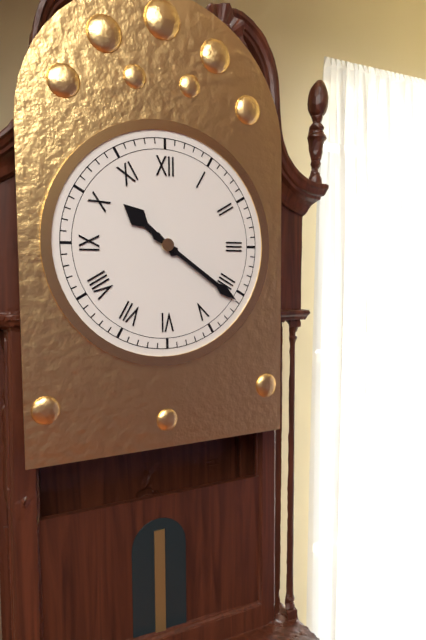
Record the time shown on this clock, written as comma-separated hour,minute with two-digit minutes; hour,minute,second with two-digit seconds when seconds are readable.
10,21
